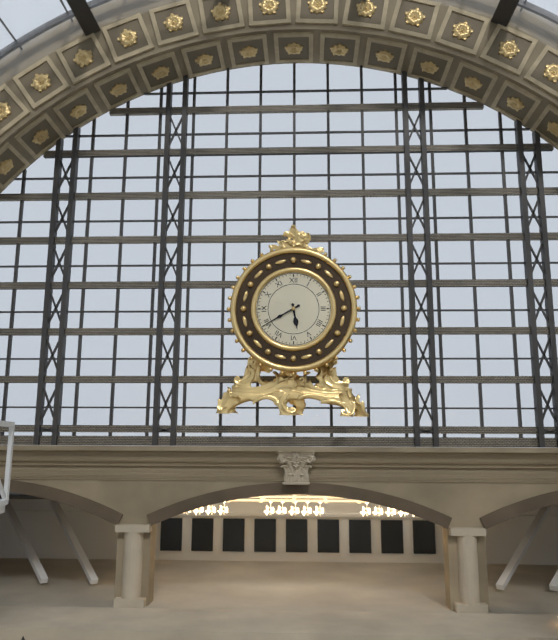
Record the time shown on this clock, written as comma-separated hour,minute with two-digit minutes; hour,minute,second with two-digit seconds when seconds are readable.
5,40
